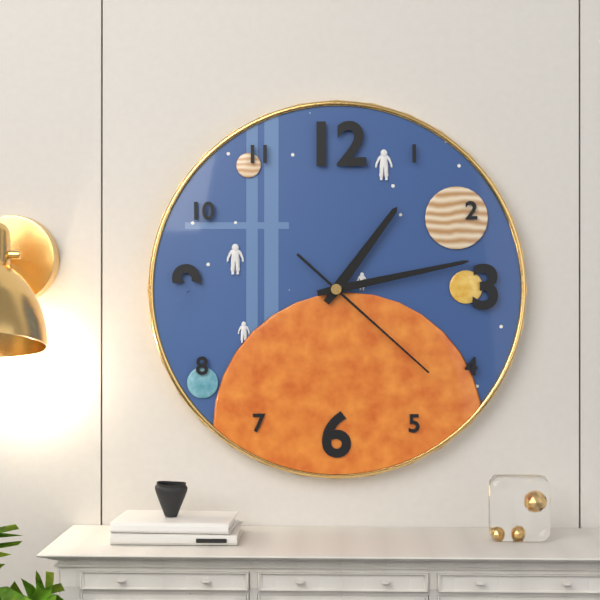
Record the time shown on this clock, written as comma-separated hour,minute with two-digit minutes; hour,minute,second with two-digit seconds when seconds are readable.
1,13,22
